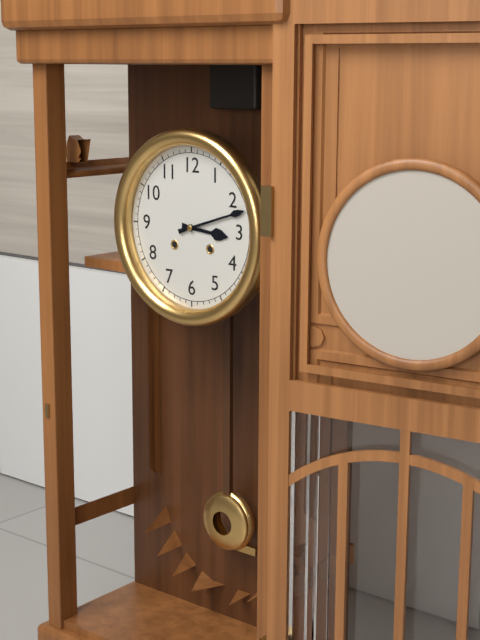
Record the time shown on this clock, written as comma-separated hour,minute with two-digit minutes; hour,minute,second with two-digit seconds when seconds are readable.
3,12
